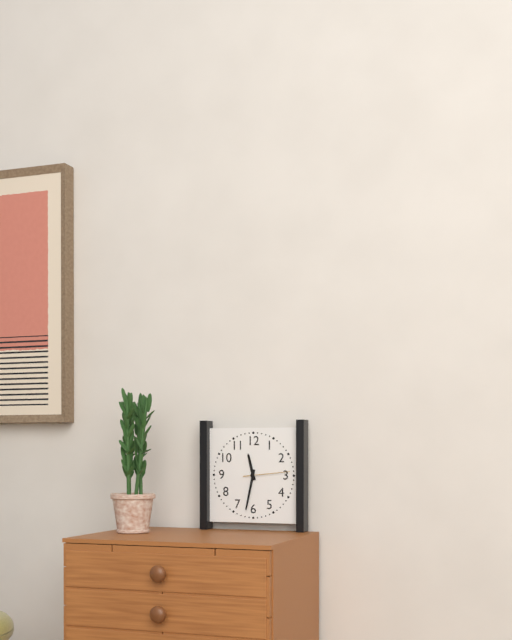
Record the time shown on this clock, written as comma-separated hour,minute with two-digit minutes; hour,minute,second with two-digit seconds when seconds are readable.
11,32
